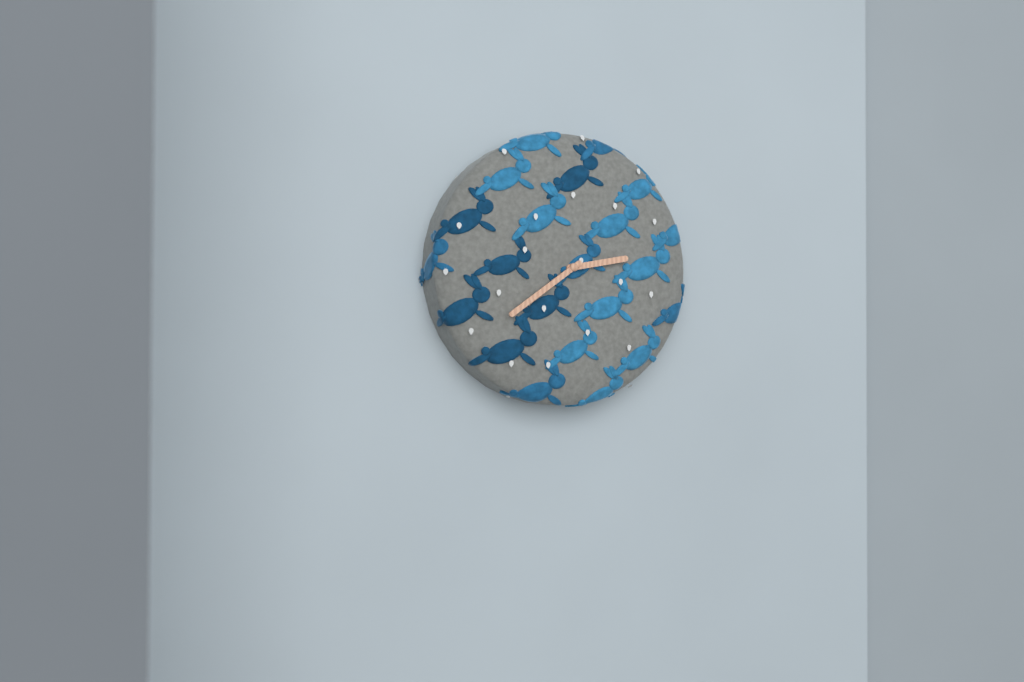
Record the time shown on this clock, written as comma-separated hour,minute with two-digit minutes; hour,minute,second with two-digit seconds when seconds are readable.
2,39
